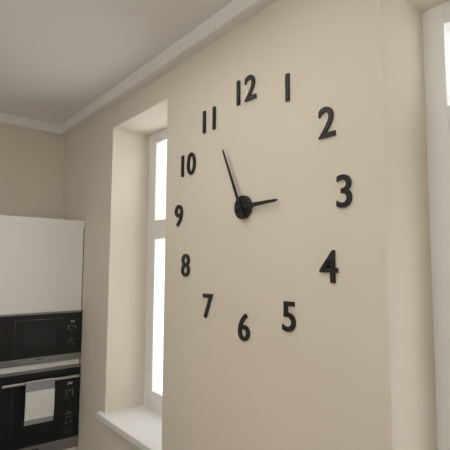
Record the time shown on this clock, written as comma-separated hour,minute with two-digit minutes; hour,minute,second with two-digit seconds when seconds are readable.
2,56
